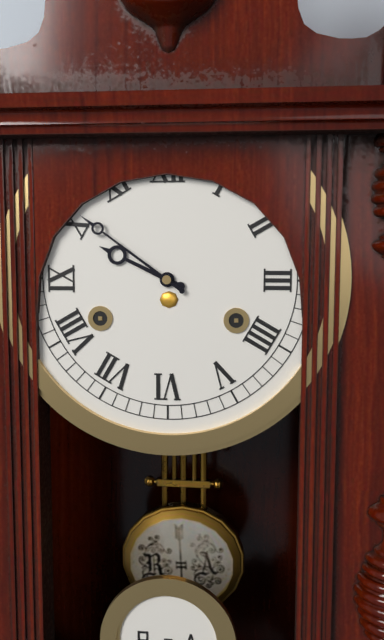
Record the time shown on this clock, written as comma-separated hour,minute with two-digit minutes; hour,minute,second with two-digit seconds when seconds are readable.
9,51
